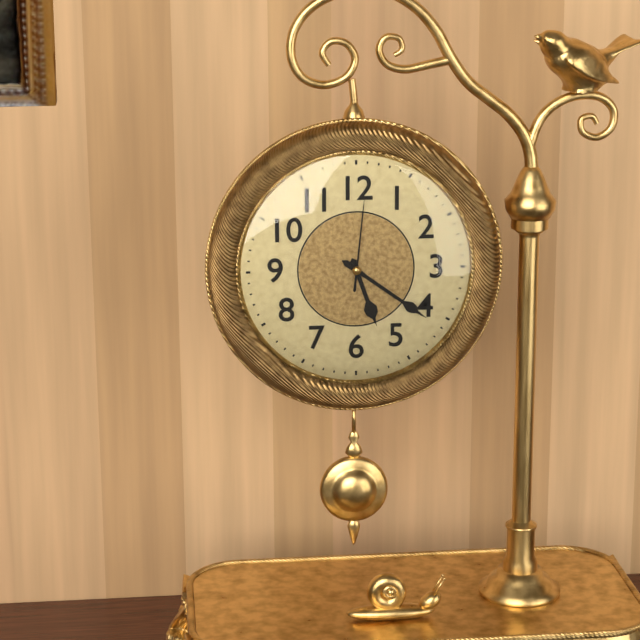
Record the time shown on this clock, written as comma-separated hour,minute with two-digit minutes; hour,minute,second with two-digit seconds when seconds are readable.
5,21,01
